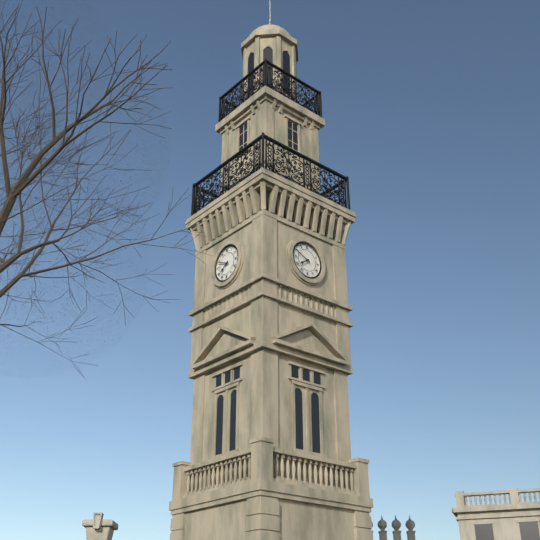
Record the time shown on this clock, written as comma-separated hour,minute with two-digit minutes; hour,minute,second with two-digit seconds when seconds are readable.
7,49
